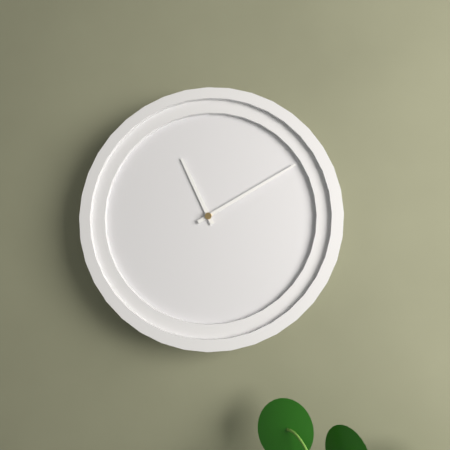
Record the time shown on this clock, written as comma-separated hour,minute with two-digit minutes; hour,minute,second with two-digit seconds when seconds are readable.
11,10
